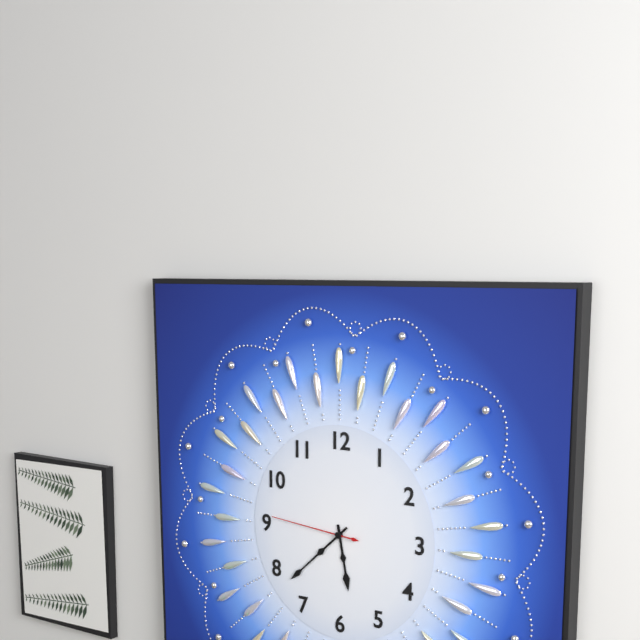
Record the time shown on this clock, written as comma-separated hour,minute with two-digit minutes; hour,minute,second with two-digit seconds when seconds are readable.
5,38,46
